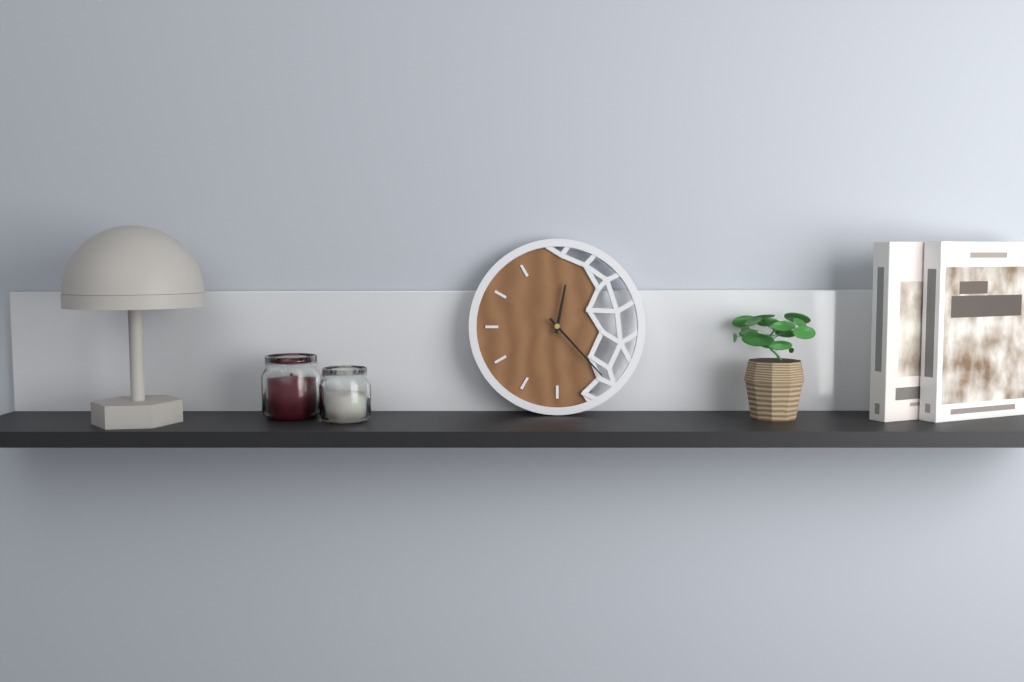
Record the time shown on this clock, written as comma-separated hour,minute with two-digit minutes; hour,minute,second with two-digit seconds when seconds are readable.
12,23
